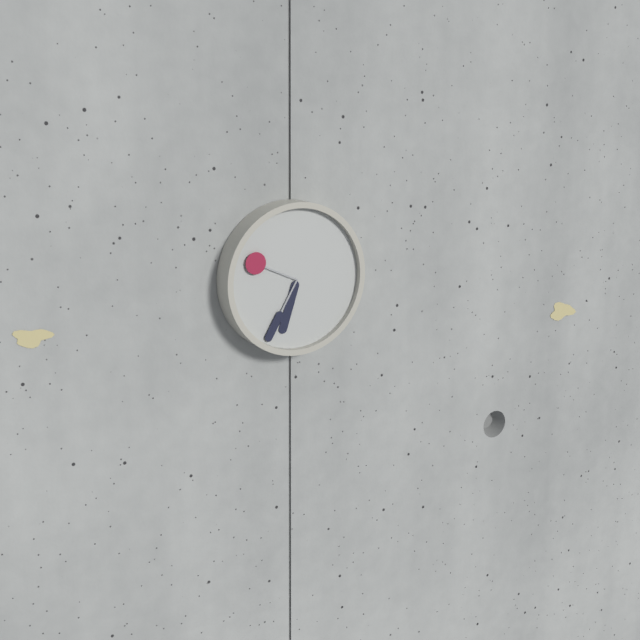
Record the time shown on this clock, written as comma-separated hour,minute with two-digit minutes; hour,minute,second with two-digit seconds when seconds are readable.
6,35,49
